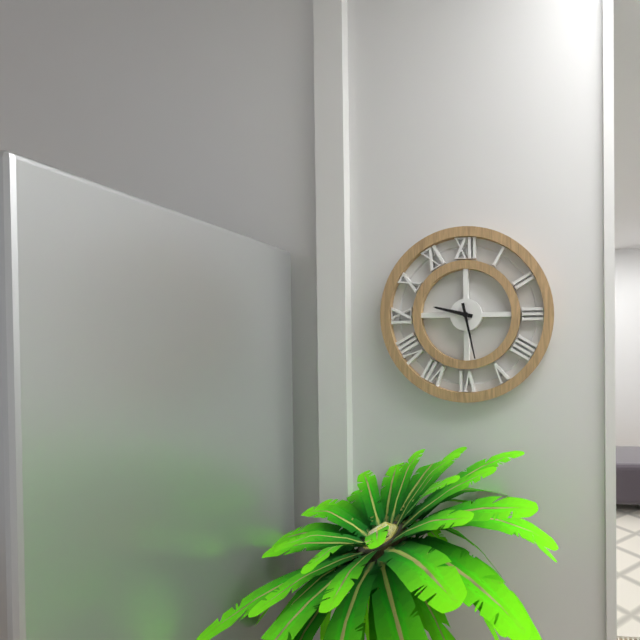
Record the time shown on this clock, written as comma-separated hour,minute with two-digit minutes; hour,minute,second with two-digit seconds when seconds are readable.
9,28
